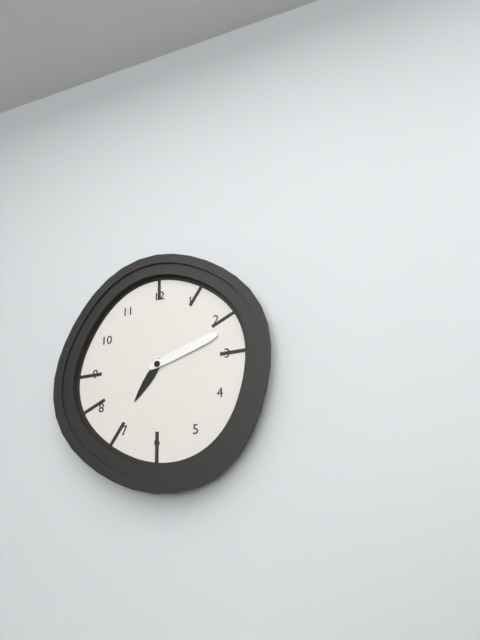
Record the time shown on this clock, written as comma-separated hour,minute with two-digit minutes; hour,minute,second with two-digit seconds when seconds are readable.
7,12
